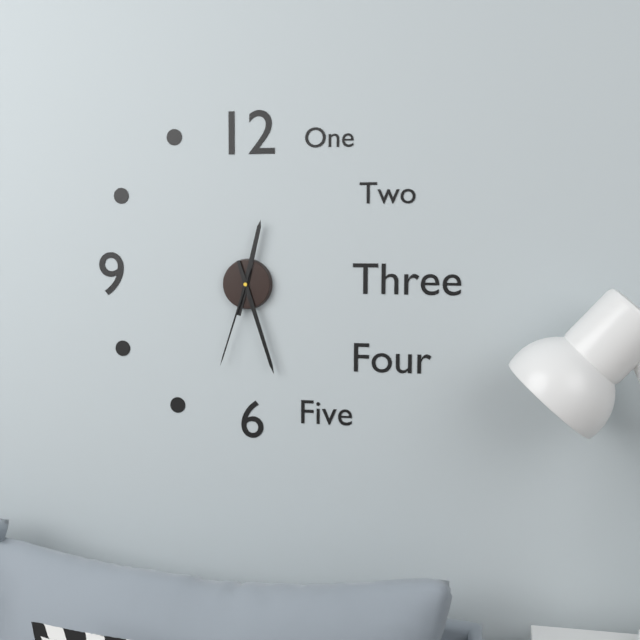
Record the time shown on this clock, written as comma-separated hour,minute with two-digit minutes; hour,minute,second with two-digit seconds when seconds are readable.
12,27,33
